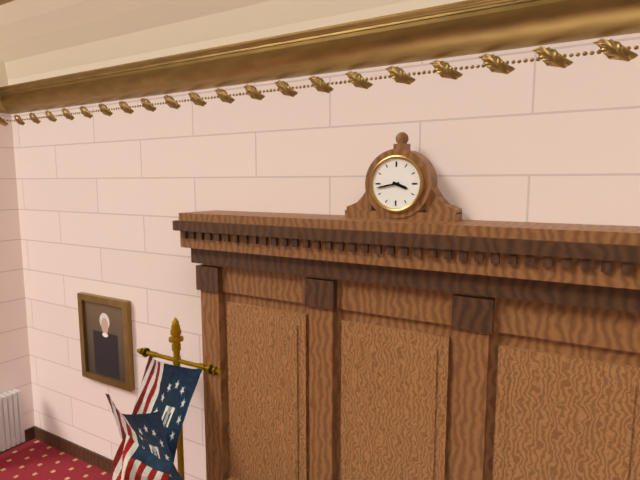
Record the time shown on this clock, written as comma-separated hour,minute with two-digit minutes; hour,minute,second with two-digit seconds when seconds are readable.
3,43
